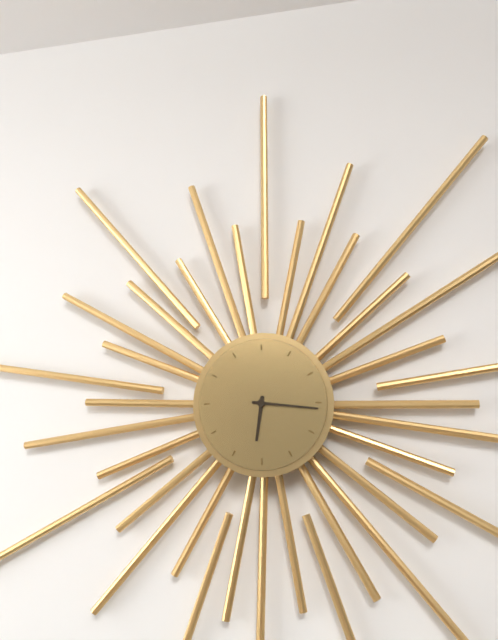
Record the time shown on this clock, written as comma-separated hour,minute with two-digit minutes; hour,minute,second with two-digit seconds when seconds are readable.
6,16
